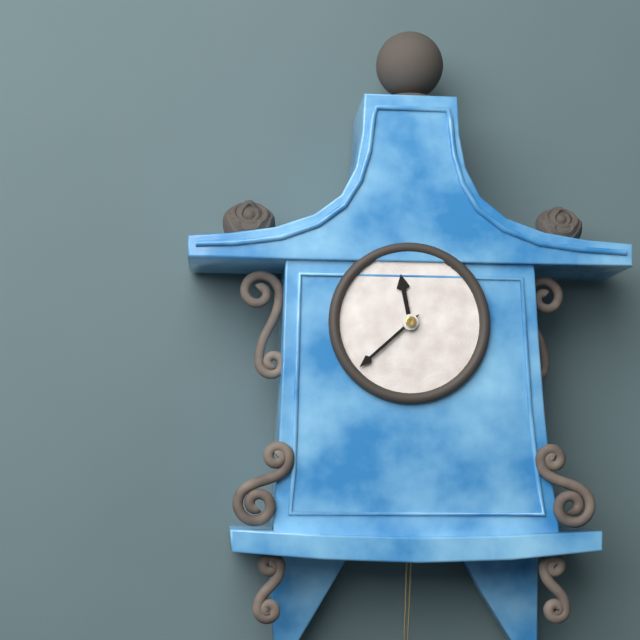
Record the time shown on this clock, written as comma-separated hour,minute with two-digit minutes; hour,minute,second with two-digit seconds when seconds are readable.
11,38
